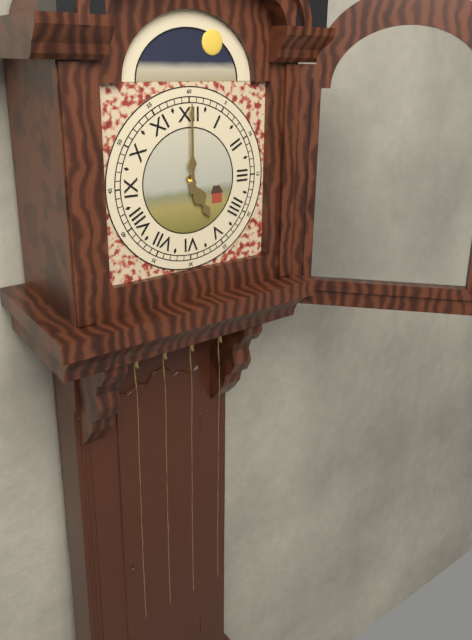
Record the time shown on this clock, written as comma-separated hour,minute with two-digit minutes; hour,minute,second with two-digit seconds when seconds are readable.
5,00
